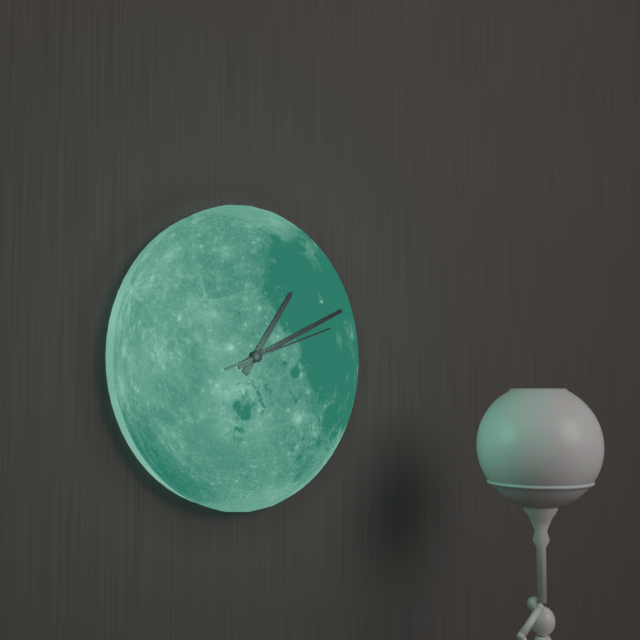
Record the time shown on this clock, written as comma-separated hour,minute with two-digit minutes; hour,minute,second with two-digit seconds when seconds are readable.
1,11,12
